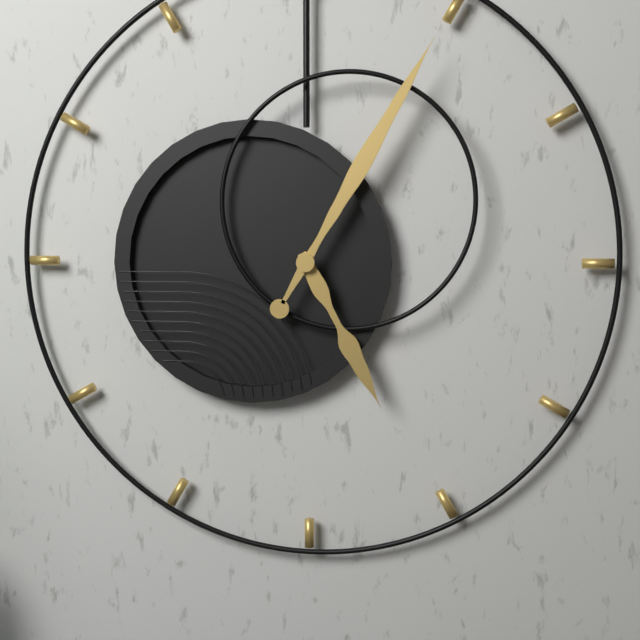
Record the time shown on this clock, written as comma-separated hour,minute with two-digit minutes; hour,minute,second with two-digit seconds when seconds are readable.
5,05
